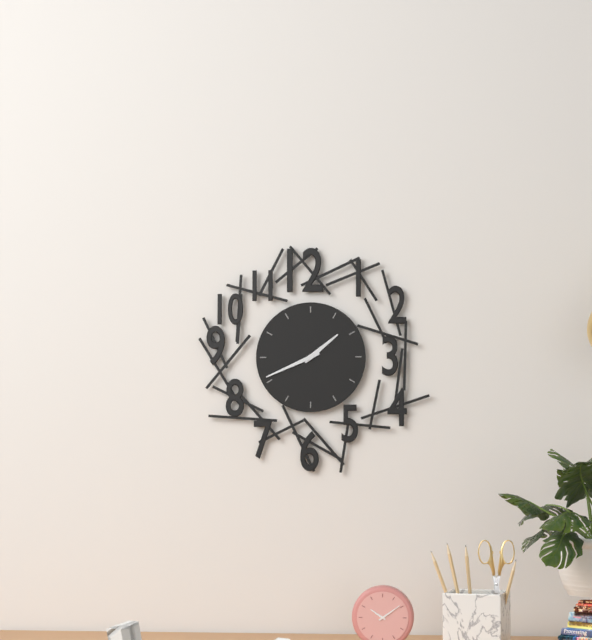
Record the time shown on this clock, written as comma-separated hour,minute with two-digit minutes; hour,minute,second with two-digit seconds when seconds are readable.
1,41
